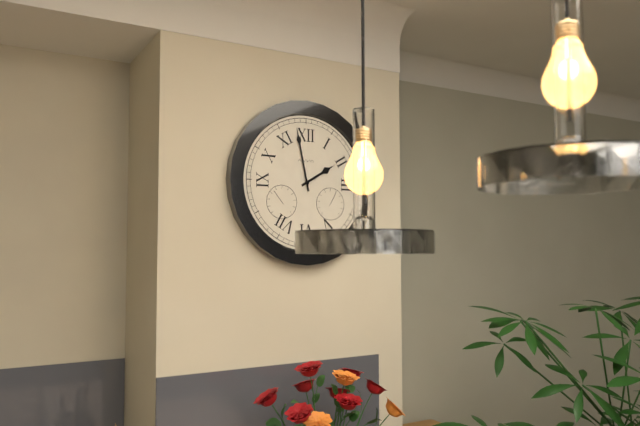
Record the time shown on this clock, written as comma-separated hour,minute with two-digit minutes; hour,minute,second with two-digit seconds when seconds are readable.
1,58
